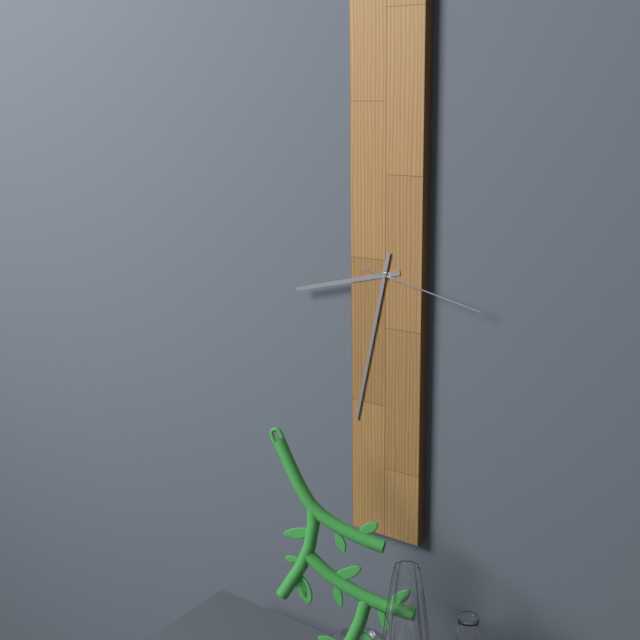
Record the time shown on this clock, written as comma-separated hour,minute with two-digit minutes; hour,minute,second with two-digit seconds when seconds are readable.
8,32,17
